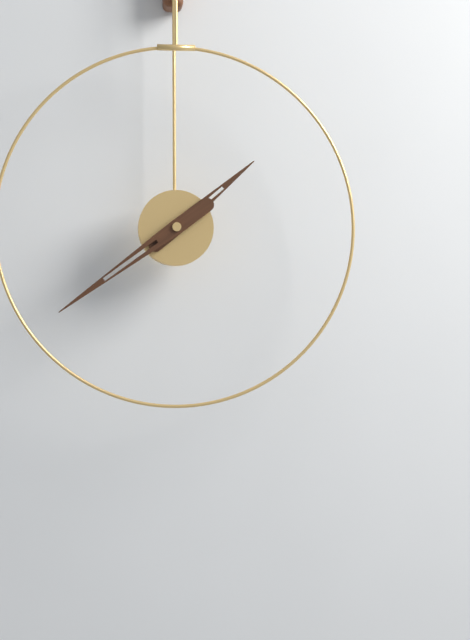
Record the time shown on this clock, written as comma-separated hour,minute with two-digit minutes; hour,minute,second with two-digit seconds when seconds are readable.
1,39
